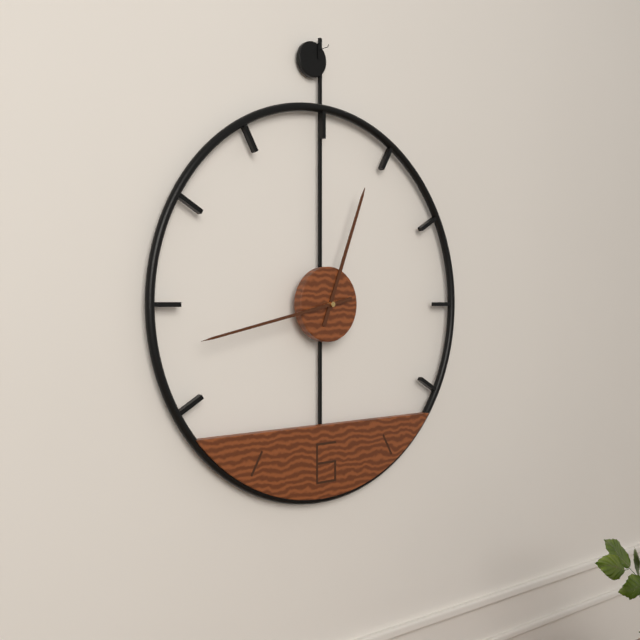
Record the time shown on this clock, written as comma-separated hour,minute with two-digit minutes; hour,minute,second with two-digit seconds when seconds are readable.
12,43
